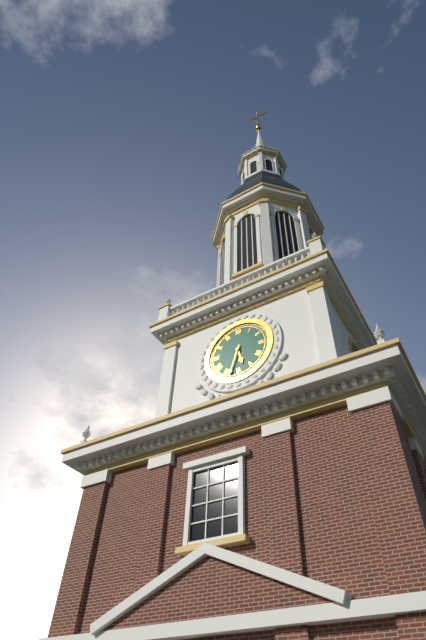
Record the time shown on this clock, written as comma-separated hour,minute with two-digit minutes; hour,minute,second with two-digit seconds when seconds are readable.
5,33
